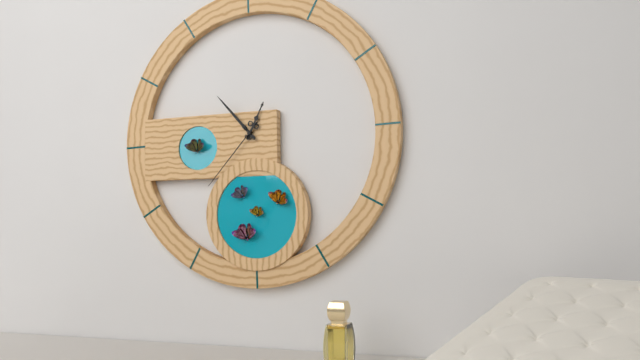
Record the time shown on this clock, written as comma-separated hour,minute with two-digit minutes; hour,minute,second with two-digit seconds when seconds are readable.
12,53,37
